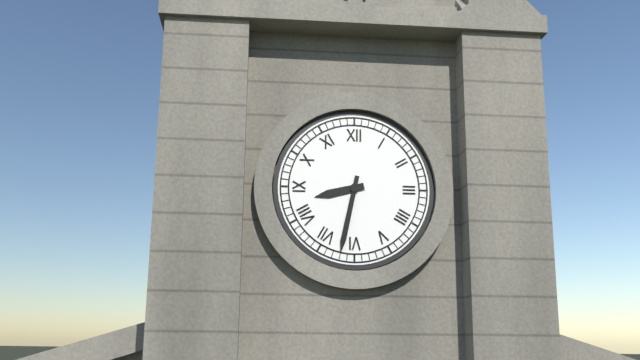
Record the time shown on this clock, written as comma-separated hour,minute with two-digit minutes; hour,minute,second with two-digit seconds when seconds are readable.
8,32
